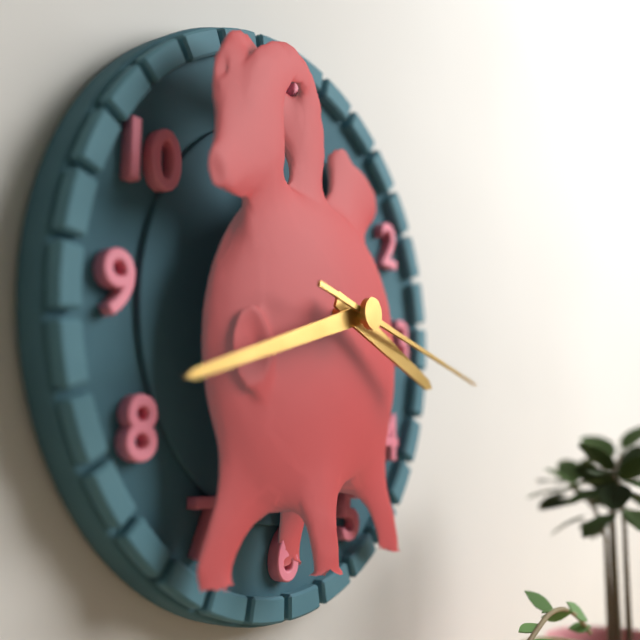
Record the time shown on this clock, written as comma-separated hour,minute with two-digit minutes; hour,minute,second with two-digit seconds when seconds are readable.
3,42,17
